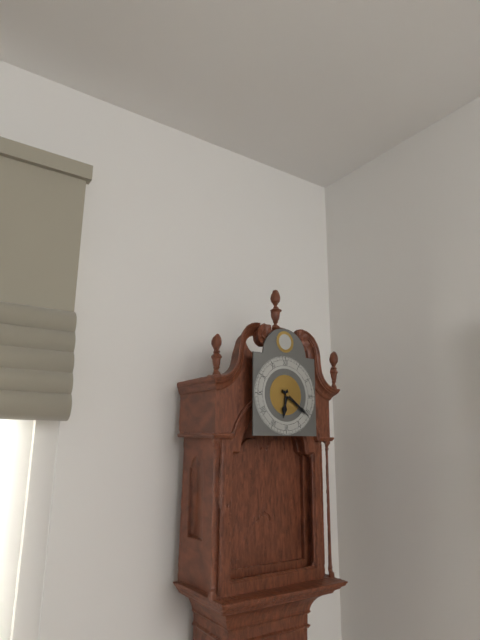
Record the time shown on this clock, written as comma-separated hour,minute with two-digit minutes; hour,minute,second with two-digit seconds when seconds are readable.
6,21
